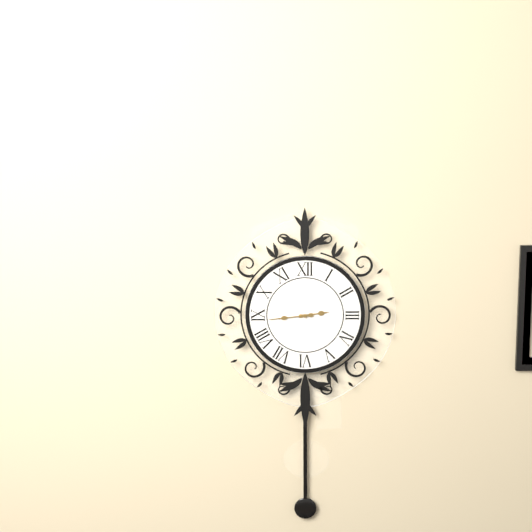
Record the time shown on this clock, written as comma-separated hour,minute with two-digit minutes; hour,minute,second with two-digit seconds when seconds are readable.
2,44
